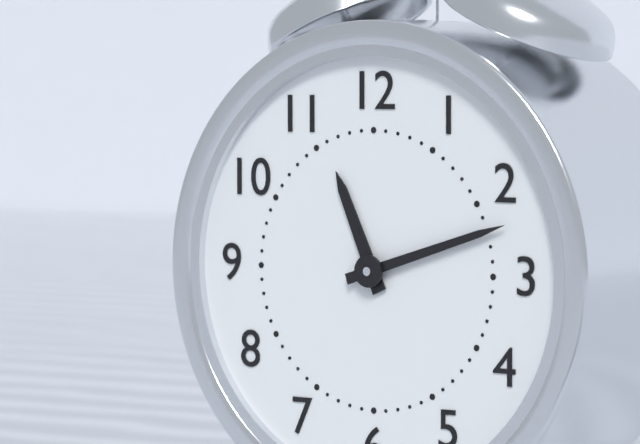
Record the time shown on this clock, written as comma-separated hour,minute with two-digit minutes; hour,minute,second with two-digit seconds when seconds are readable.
11,12
